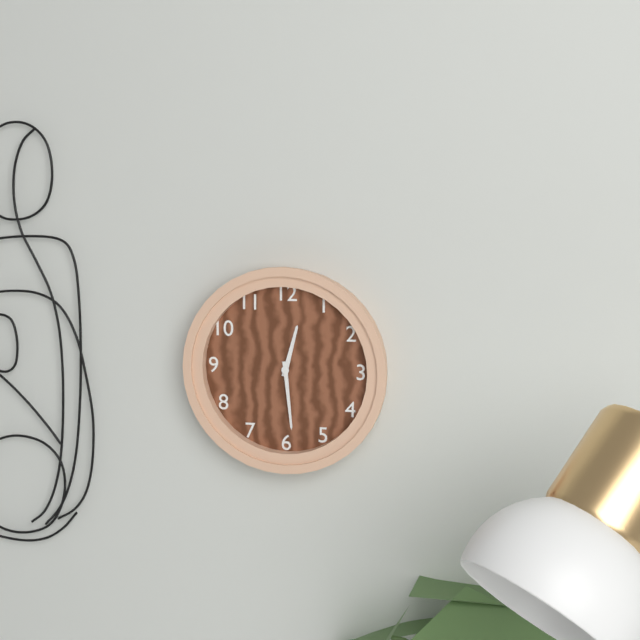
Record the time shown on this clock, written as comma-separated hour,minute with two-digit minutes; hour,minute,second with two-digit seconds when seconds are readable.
12,29
